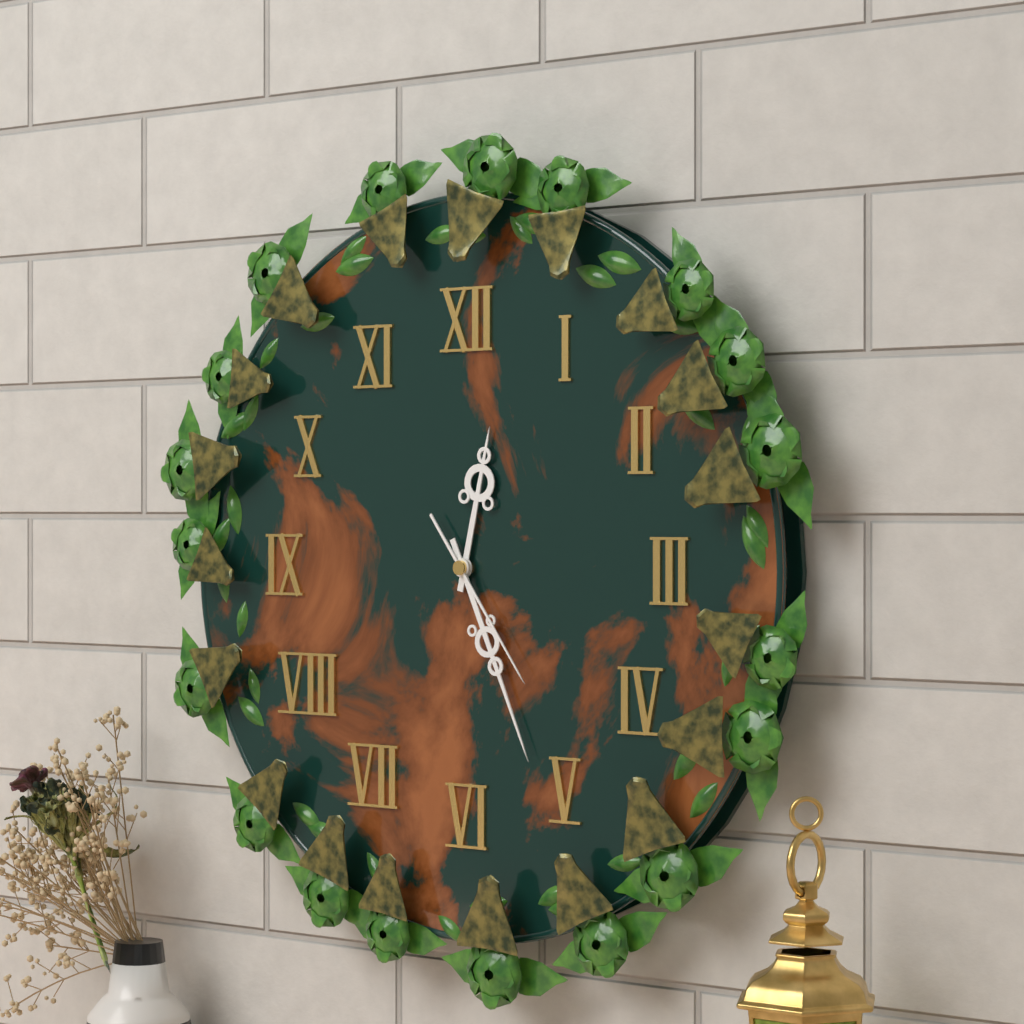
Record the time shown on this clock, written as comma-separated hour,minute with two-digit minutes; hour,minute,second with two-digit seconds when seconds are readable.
12,26,24
